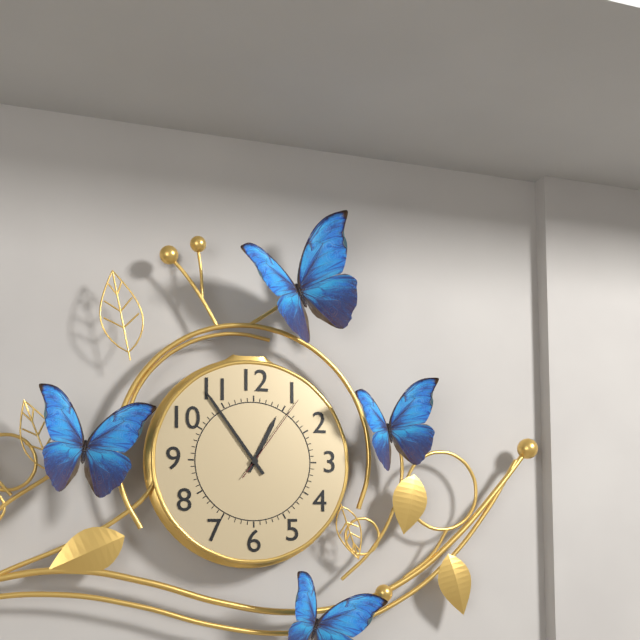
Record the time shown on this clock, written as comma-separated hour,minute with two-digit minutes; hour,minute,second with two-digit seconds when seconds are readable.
12,54,06
